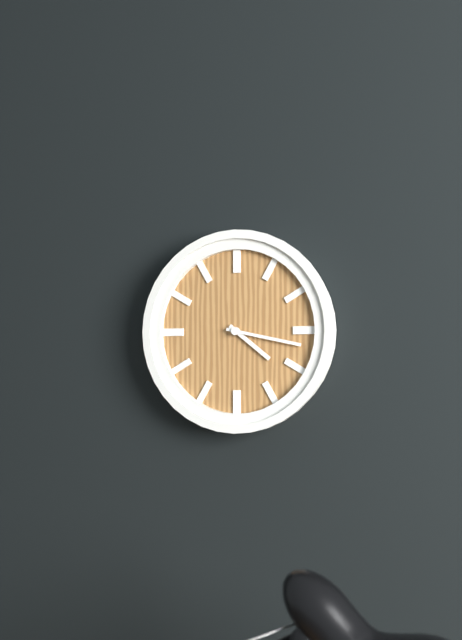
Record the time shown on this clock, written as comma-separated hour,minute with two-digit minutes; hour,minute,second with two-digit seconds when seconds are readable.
4,17
